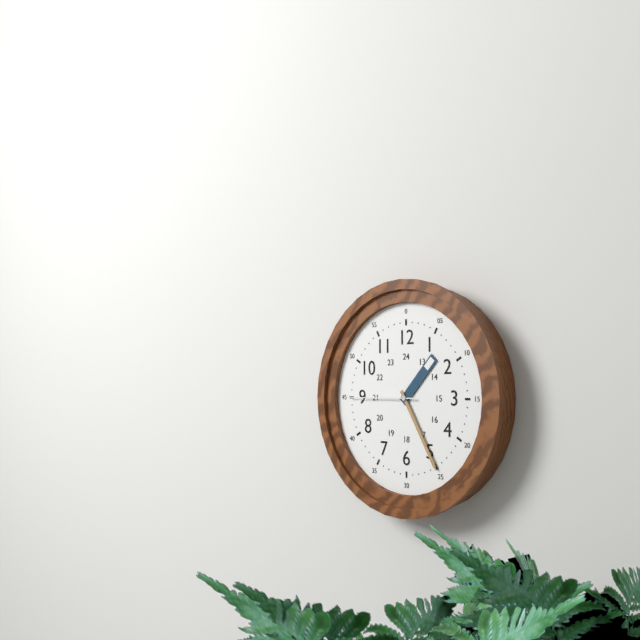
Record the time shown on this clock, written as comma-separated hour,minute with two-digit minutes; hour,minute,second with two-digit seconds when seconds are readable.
1,25,45
